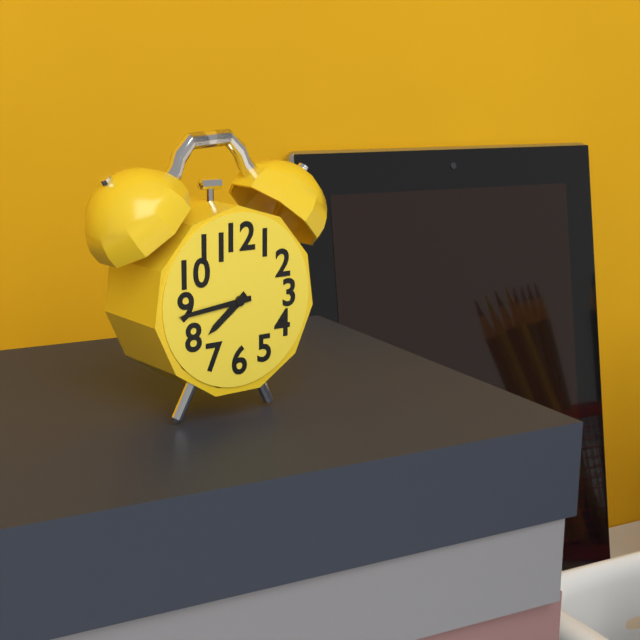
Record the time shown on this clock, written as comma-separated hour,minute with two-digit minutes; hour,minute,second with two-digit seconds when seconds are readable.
7,44
